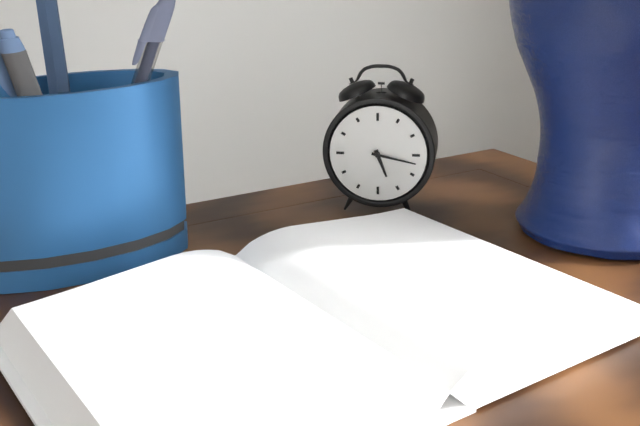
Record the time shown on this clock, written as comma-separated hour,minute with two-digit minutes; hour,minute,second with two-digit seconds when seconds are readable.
5,17
